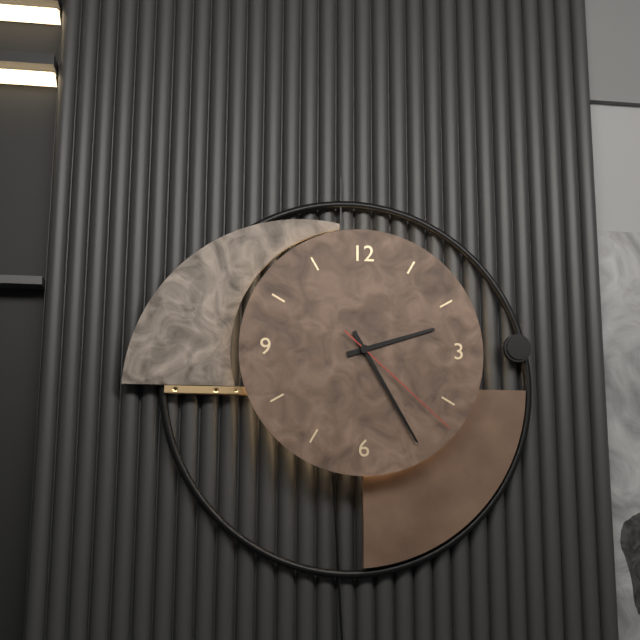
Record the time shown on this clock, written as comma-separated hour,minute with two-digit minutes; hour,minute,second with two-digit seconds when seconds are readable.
2,25,22
